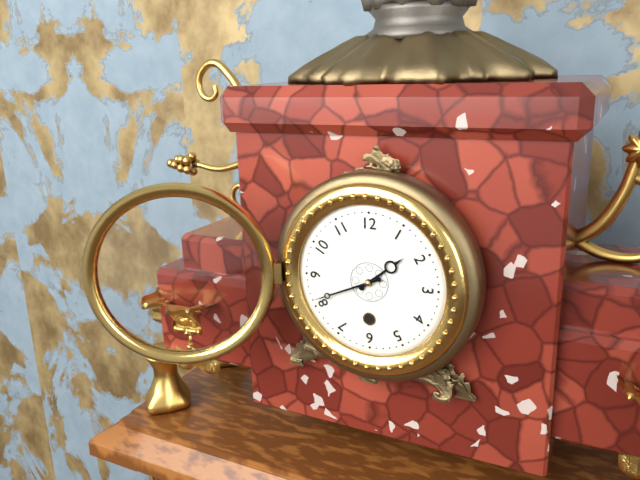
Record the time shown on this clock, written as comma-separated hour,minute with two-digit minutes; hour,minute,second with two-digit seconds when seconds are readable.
1,41
